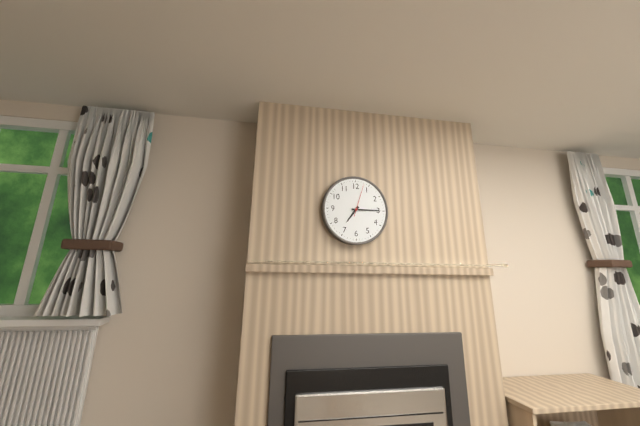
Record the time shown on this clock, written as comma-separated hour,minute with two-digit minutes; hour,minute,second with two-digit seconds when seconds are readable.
7,15
